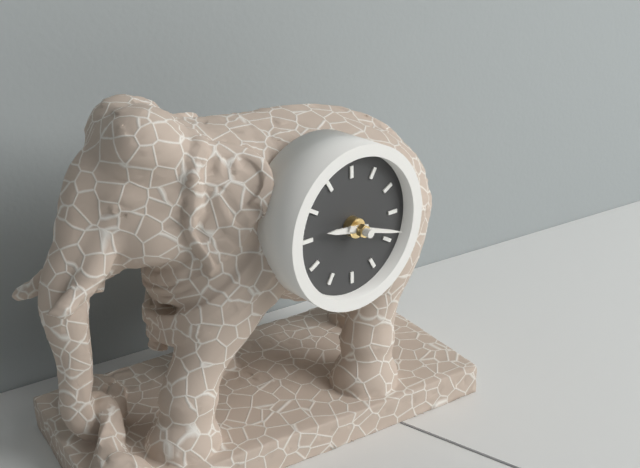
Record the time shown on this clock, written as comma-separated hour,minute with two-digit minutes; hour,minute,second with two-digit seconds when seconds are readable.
9,18
